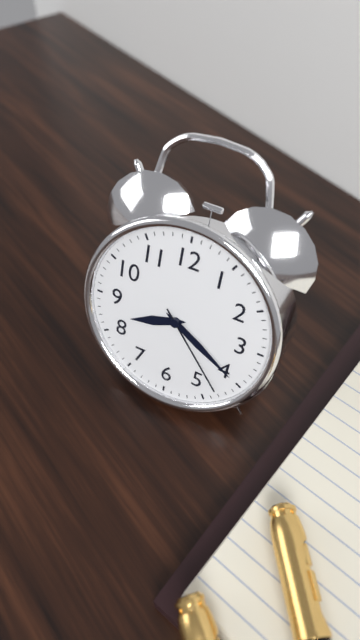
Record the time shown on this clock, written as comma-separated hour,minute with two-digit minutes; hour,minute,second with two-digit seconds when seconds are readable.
8,20,23
